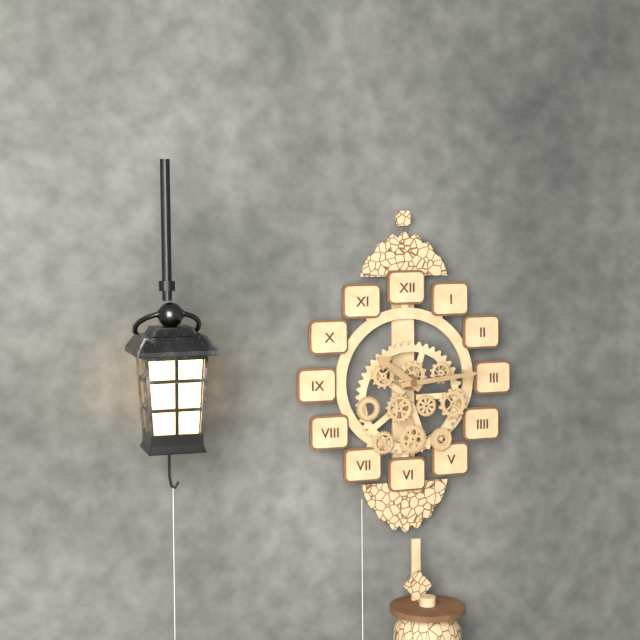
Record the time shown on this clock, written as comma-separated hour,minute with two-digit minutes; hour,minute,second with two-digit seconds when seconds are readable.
10,14
